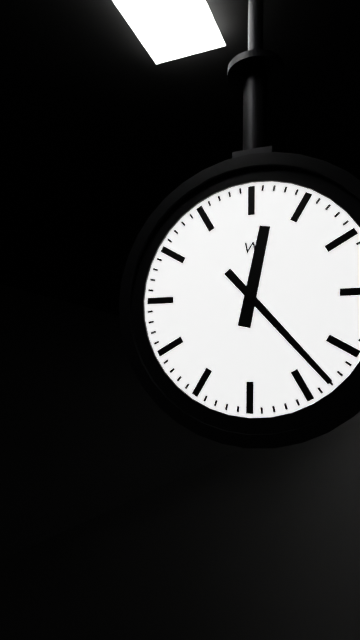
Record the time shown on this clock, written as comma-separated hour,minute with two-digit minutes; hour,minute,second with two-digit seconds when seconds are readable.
12,23
